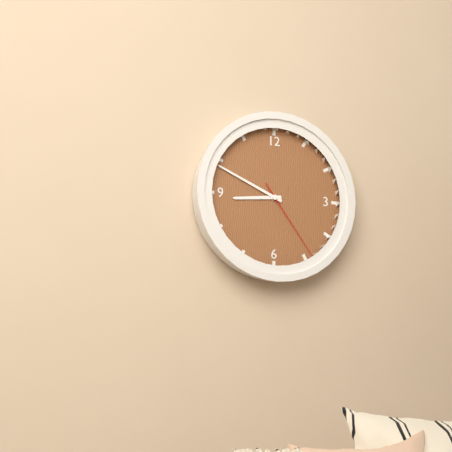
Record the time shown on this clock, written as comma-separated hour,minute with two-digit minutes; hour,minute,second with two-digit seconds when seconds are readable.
8,49,24
